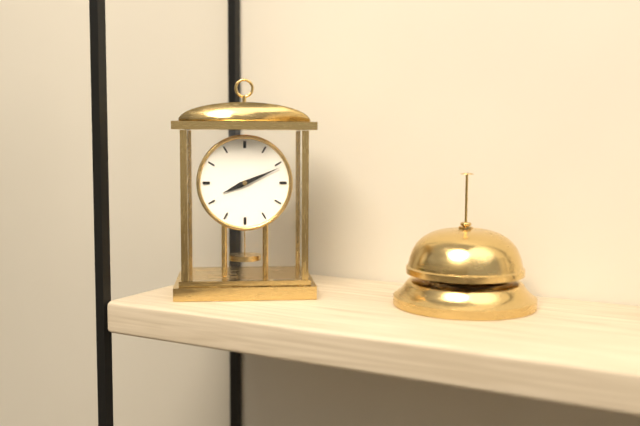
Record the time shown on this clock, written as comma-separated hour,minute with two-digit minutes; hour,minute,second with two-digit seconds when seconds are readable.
8,11
